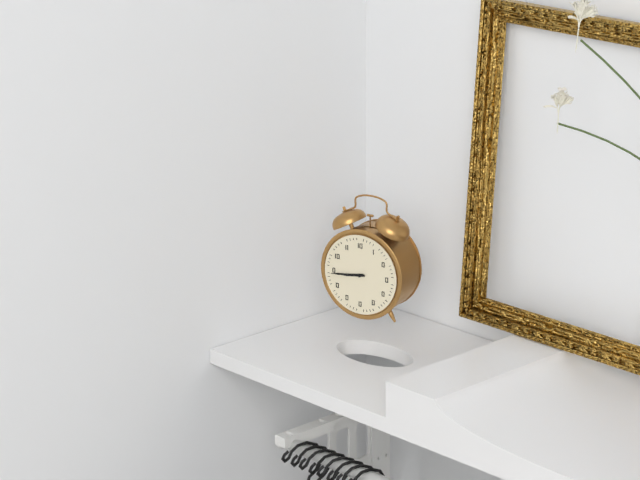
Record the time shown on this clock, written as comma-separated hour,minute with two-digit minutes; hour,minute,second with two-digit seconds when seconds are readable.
8,44
